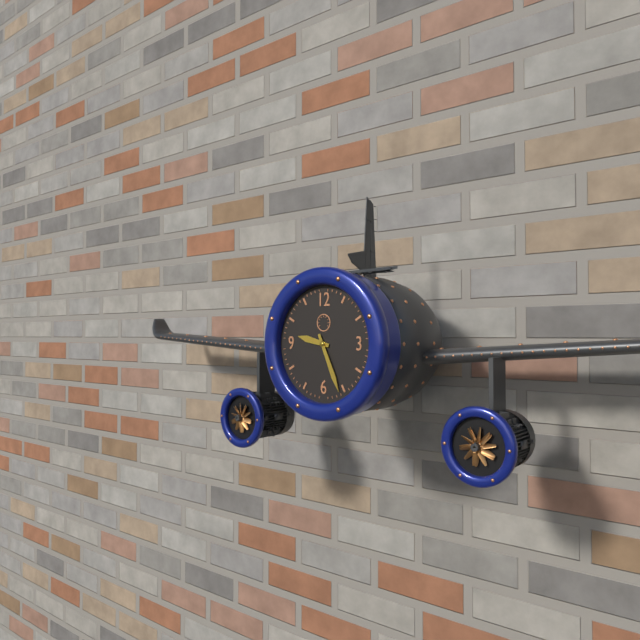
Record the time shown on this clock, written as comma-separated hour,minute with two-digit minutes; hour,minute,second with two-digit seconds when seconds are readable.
9,26
